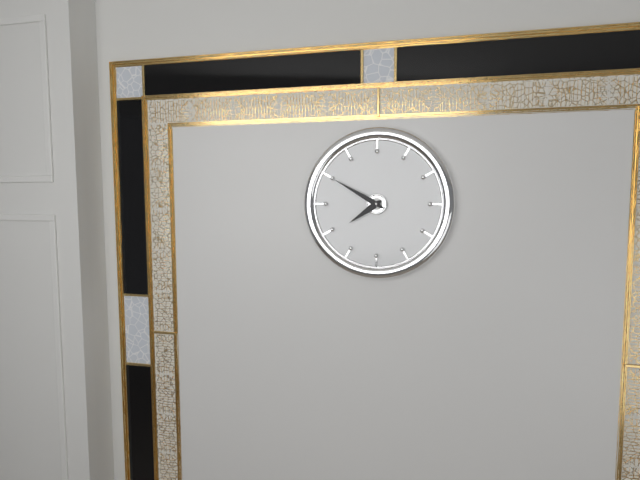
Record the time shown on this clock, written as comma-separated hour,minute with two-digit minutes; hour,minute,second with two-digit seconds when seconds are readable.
7,50
